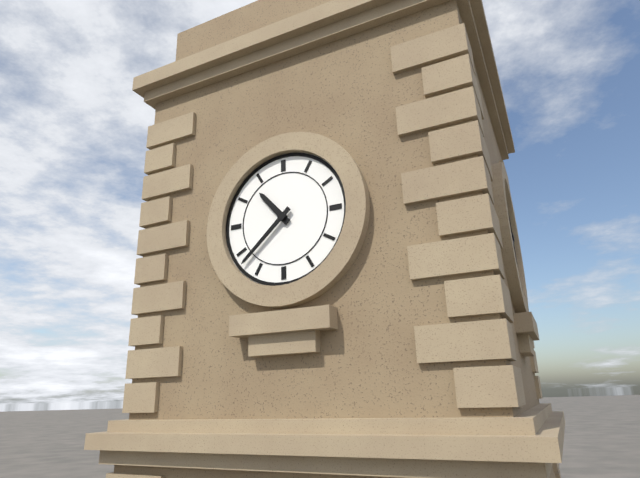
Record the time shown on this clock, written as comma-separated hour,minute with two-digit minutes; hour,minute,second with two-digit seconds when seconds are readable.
10,38
